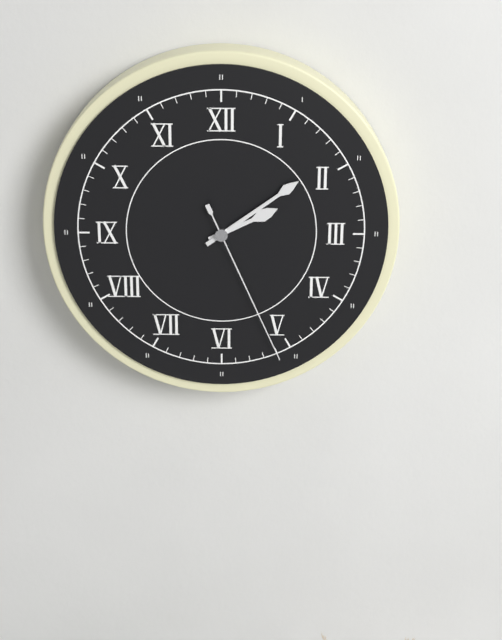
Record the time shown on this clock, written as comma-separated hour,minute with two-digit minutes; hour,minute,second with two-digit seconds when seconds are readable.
2,09,26
